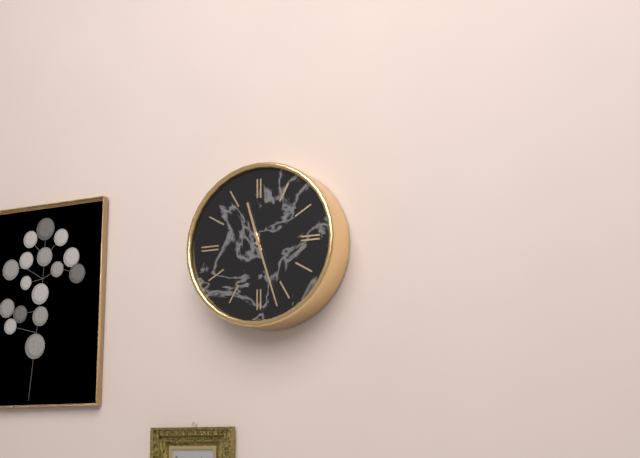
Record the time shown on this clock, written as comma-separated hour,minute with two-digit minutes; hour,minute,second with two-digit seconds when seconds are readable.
11,27
